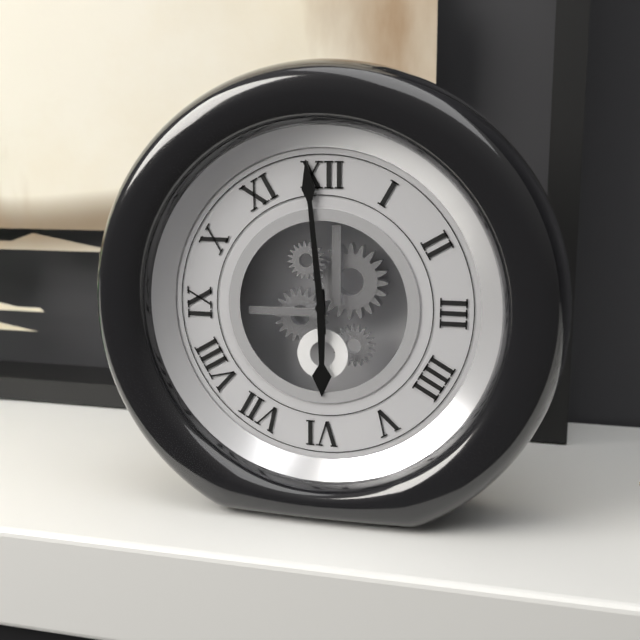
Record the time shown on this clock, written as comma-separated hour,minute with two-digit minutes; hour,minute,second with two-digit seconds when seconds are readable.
5,59
